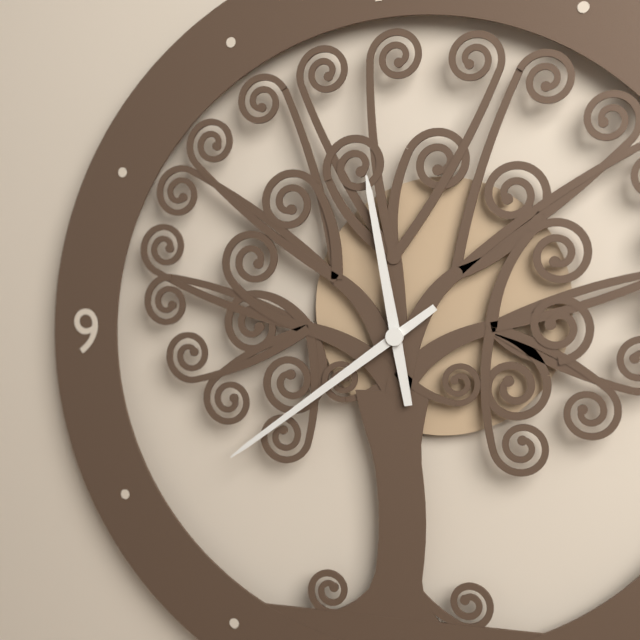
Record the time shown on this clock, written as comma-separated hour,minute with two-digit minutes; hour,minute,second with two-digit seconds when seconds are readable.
11,39
